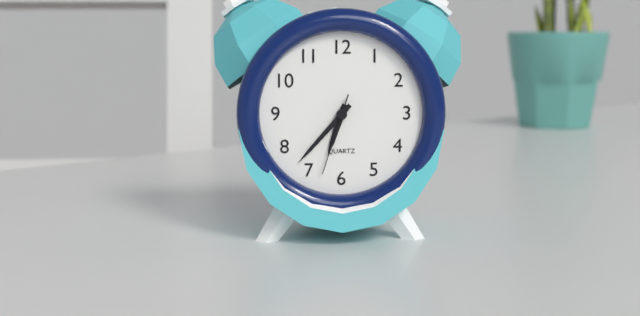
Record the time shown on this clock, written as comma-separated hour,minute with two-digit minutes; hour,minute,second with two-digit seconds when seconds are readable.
6,37,33
